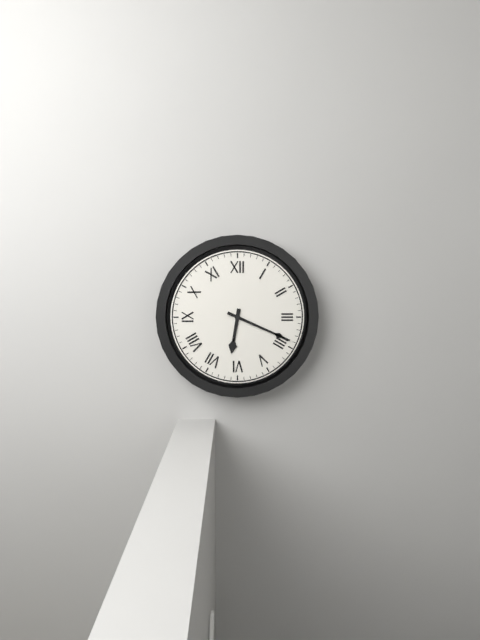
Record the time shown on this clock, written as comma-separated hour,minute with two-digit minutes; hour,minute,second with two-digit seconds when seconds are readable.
6,19
